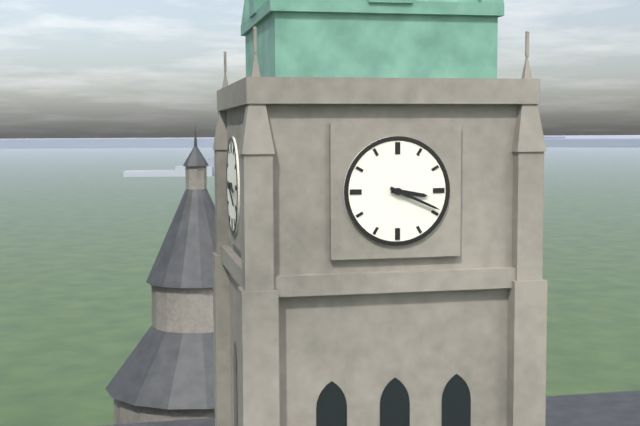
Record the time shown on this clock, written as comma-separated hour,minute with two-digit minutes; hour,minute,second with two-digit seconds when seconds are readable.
3,19
